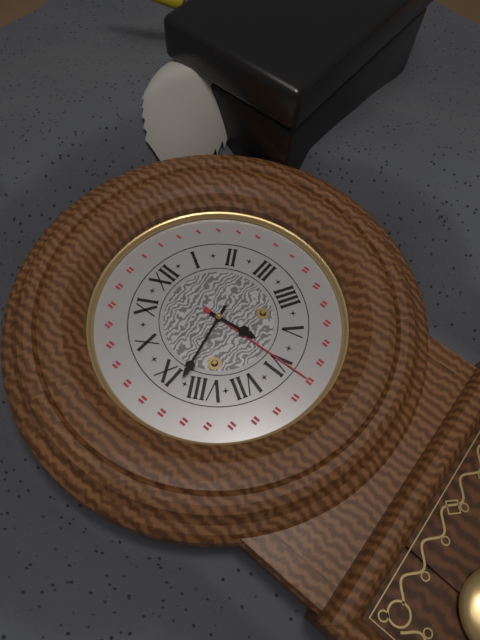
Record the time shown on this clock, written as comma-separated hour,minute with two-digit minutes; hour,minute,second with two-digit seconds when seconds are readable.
5,43
